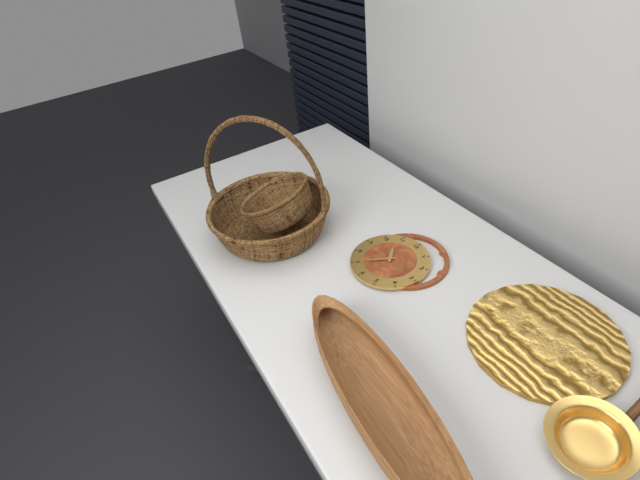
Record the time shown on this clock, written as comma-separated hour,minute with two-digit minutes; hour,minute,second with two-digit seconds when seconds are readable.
10,35
